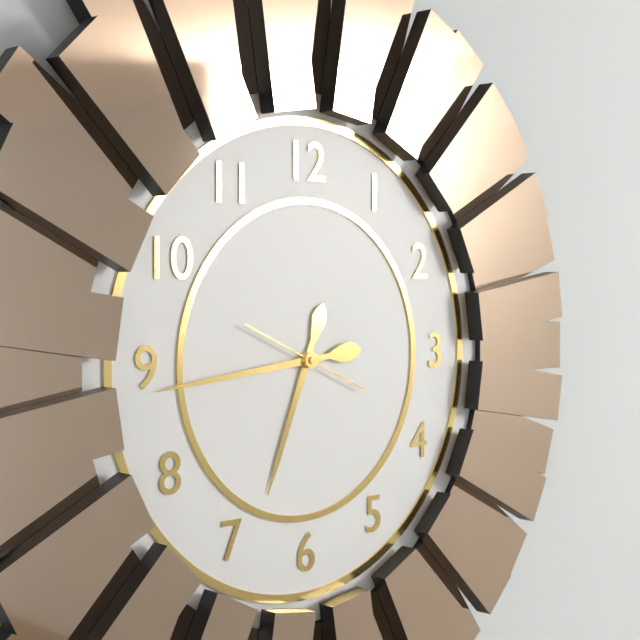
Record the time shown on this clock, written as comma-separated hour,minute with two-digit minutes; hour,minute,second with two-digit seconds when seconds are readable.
6,44,49
